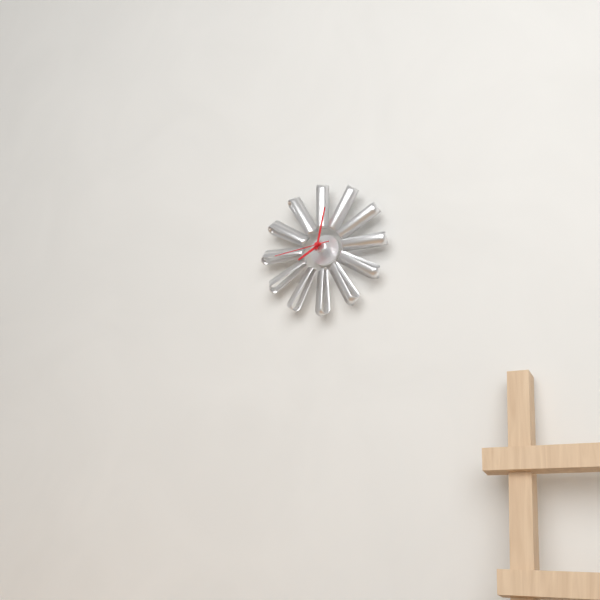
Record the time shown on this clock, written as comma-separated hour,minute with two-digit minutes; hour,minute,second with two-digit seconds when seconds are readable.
8,02,44
